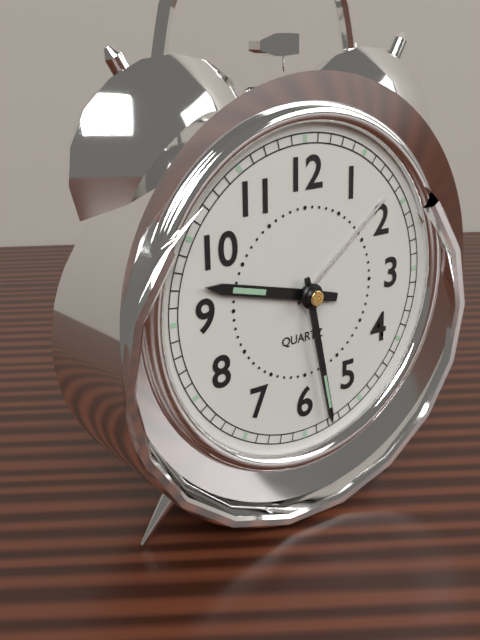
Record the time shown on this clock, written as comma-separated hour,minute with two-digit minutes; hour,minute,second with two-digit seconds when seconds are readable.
9,28
